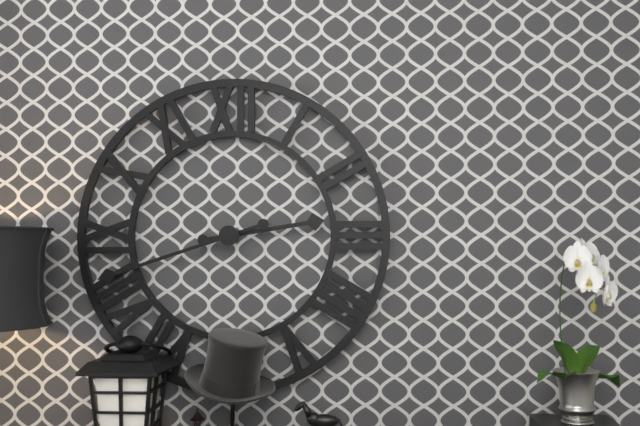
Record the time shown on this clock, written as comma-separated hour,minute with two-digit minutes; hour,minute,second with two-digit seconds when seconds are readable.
2,42
